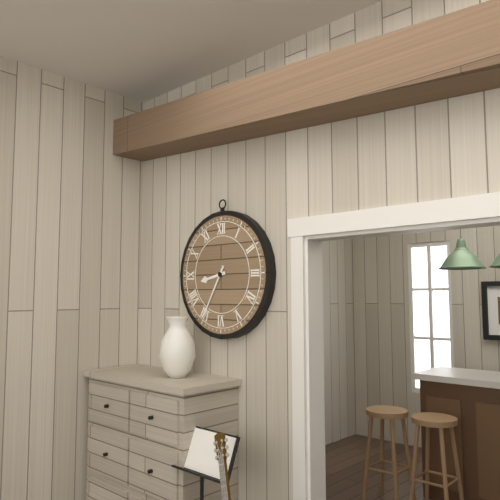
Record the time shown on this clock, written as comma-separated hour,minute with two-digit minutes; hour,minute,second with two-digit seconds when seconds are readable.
8,35
